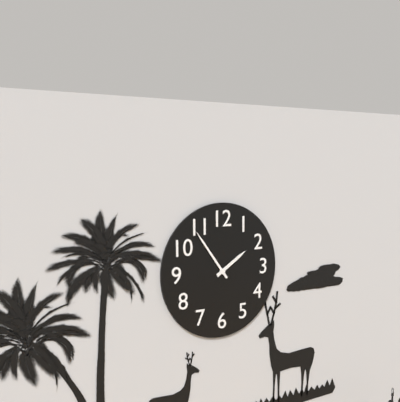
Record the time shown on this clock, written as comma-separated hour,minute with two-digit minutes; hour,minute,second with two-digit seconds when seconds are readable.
1,54
